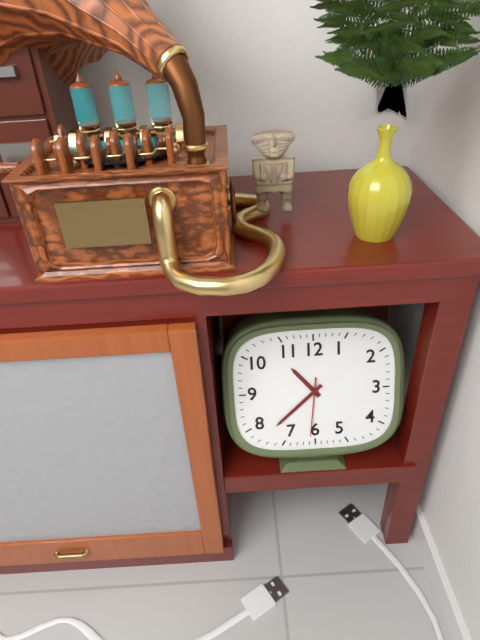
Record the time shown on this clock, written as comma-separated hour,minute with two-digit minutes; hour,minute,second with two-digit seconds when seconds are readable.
10,38,31
